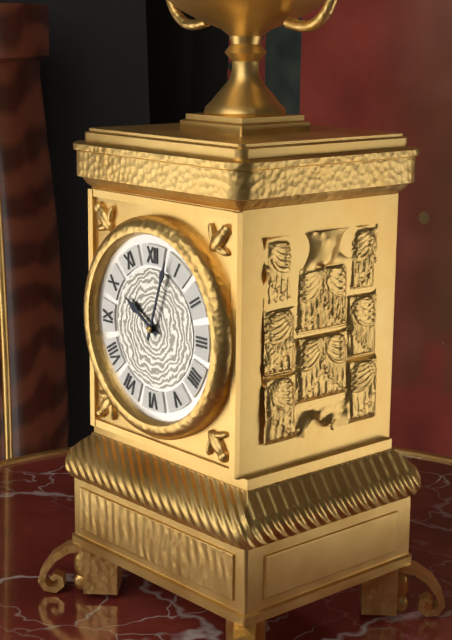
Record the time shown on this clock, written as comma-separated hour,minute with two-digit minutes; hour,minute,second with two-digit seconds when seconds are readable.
10,03
